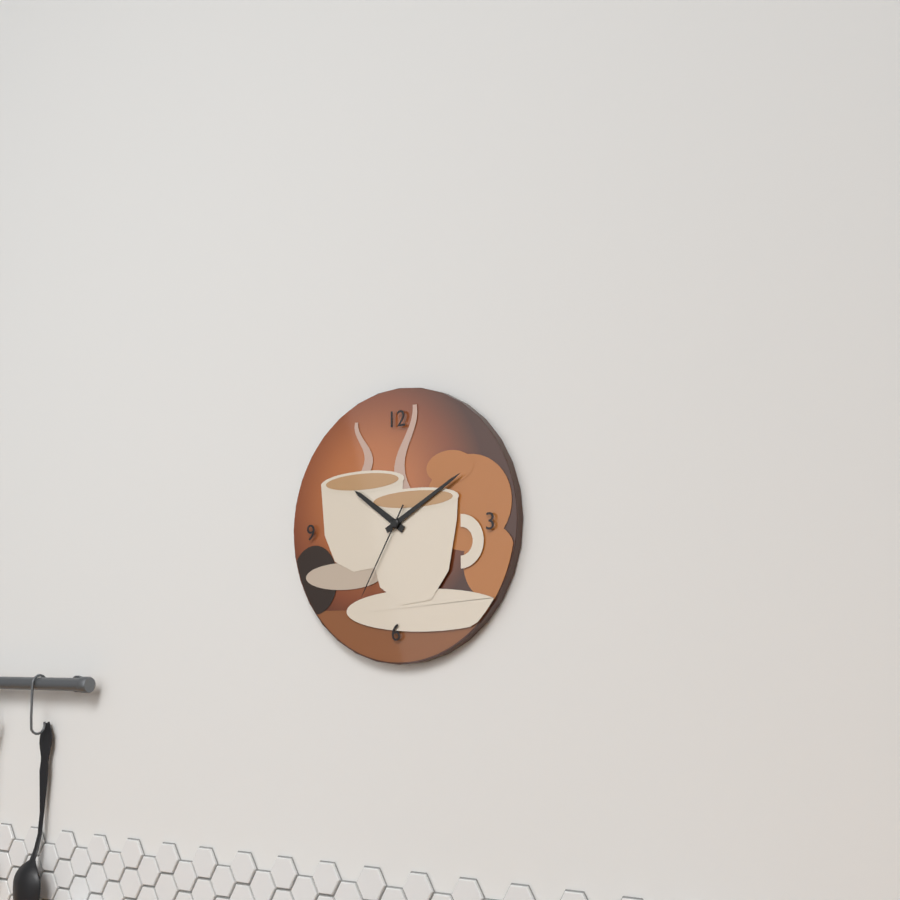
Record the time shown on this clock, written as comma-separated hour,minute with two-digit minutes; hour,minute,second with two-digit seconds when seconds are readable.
10,10,35
